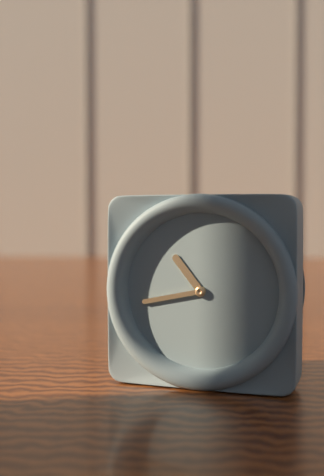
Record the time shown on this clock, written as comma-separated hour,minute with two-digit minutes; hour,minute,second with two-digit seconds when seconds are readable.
10,43
